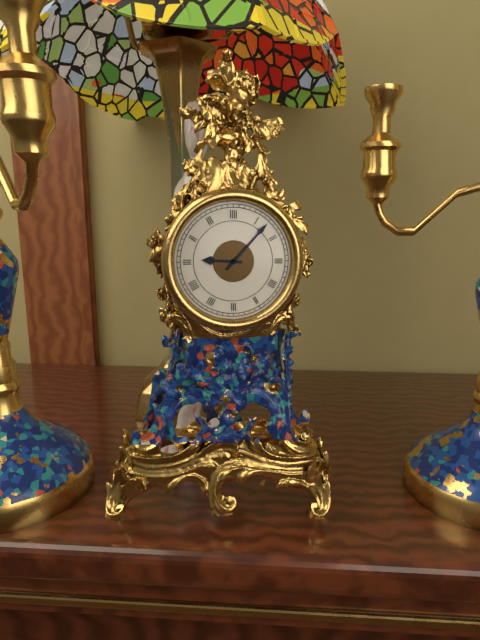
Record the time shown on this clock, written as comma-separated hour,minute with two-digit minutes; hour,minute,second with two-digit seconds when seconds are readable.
9,07
